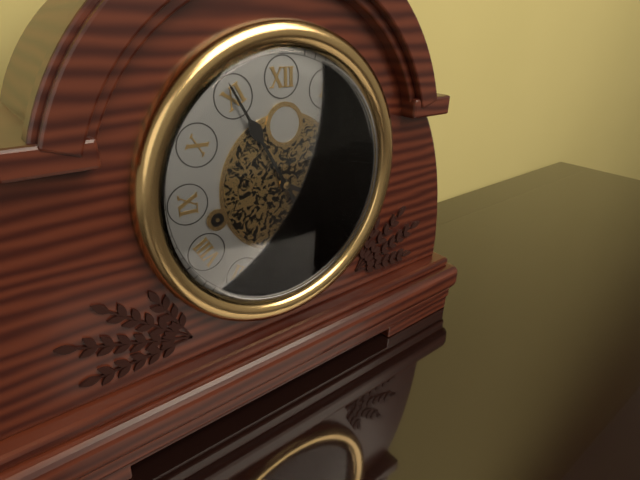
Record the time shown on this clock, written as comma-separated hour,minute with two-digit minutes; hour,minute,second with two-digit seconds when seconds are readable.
3,55
